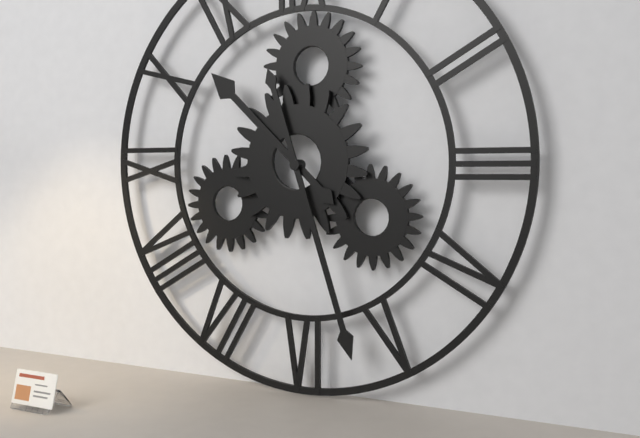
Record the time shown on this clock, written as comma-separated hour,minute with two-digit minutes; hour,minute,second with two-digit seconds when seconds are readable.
10,27
